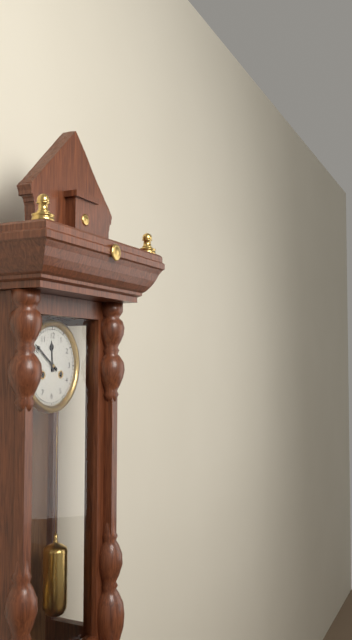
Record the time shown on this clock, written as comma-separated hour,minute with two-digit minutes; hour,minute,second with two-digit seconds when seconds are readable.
11,51
